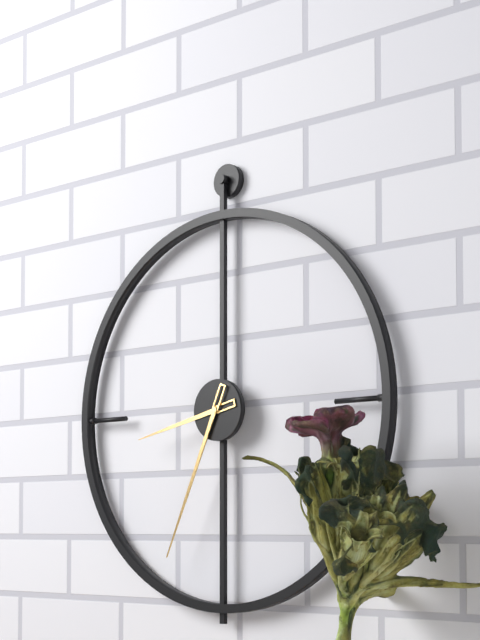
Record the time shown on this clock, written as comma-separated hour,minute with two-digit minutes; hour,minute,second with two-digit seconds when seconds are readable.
8,34
